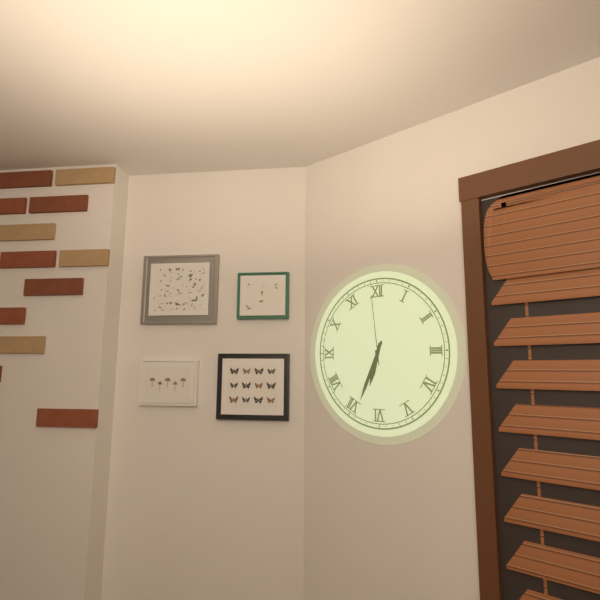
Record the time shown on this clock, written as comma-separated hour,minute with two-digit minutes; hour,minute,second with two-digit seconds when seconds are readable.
6,34,59
